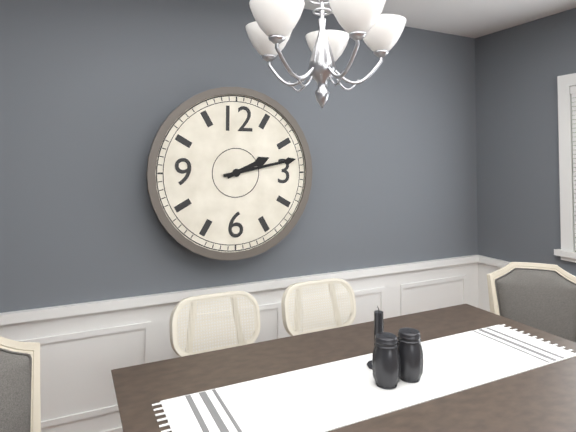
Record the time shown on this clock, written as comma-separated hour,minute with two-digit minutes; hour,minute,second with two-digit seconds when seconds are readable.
2,13
